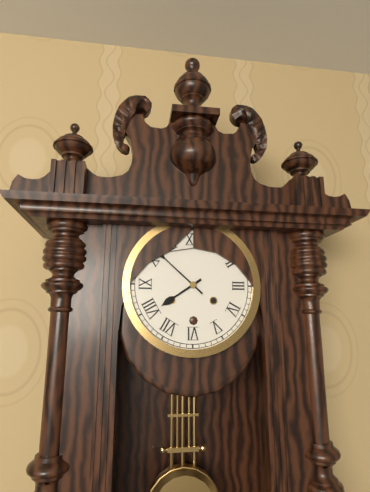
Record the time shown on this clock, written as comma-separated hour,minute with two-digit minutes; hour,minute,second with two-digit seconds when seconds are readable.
7,52
